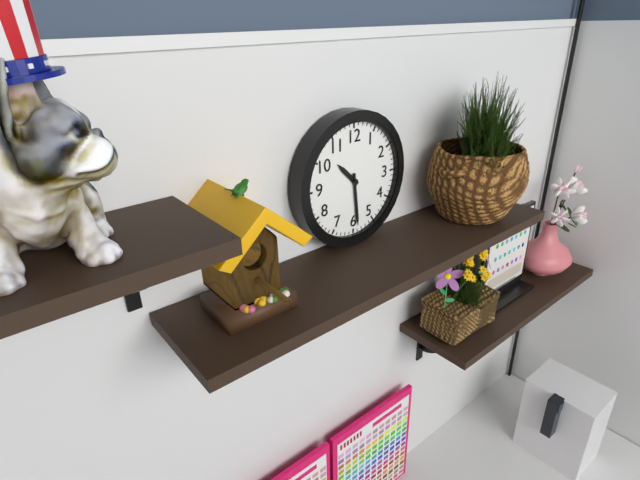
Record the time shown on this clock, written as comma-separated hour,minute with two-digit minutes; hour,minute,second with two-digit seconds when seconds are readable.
10,29
